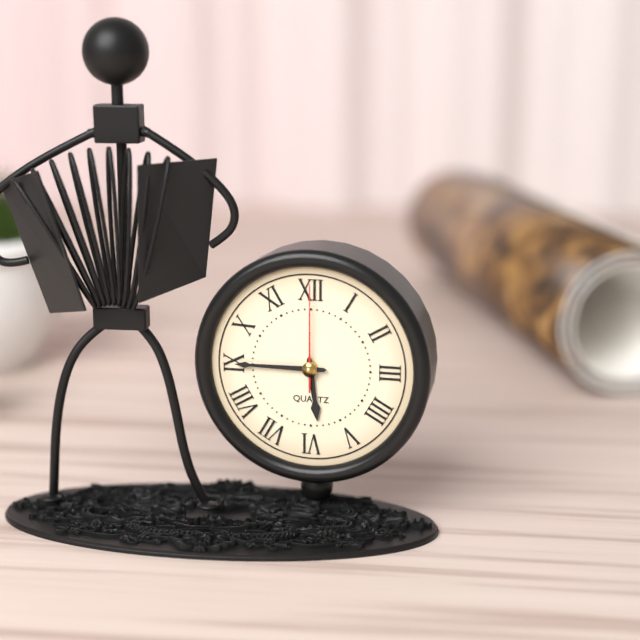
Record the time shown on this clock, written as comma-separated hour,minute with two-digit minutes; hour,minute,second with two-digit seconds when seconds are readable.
5,45,00
